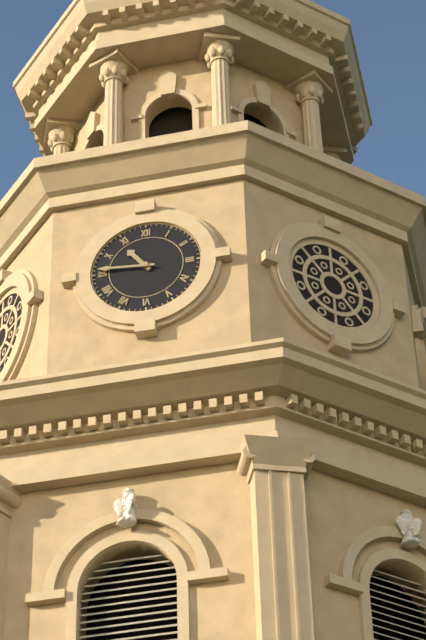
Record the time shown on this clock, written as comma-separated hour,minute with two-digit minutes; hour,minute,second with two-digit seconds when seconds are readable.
10,46
